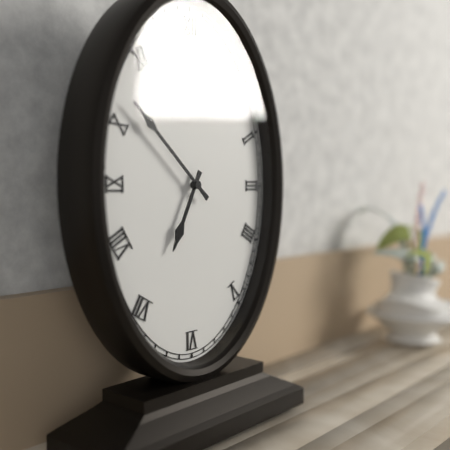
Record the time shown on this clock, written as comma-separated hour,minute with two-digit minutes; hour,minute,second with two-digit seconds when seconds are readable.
6,52
